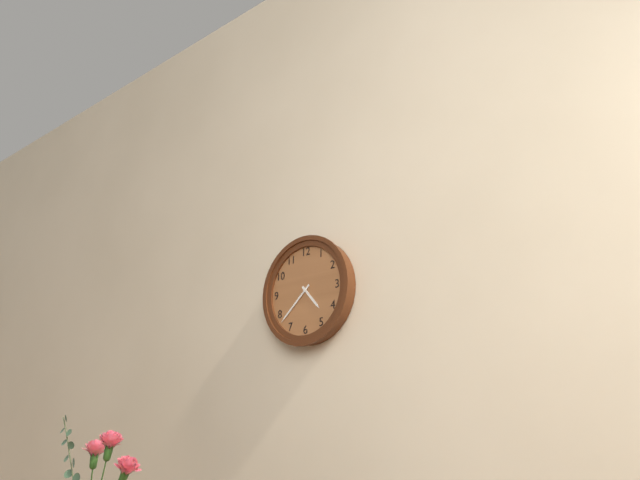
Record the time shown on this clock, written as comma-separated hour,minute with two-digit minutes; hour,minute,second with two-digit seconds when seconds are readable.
4,38
